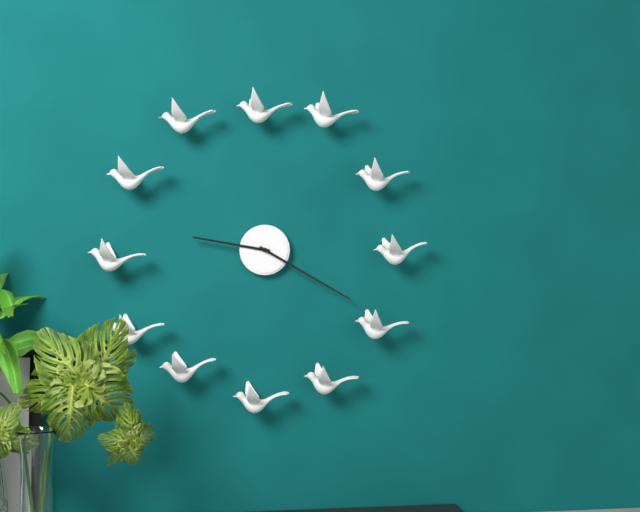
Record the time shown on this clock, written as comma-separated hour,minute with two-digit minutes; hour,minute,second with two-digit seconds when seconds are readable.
9,20
